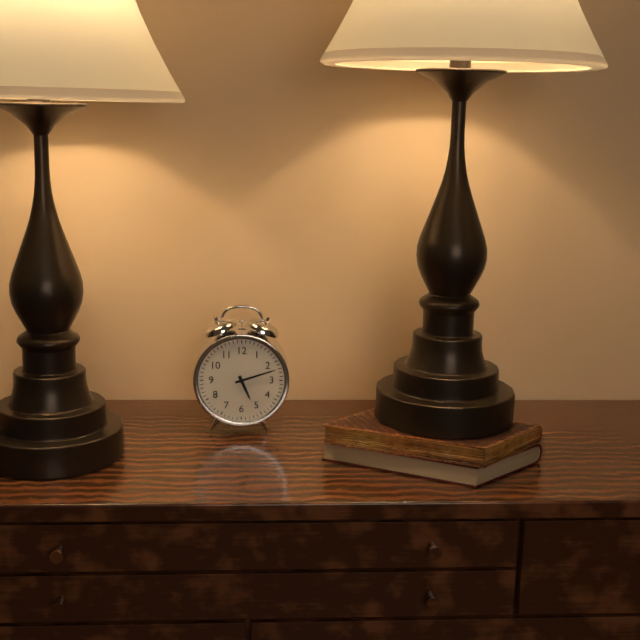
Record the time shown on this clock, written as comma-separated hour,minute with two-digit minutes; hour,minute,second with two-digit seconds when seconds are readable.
5,12
